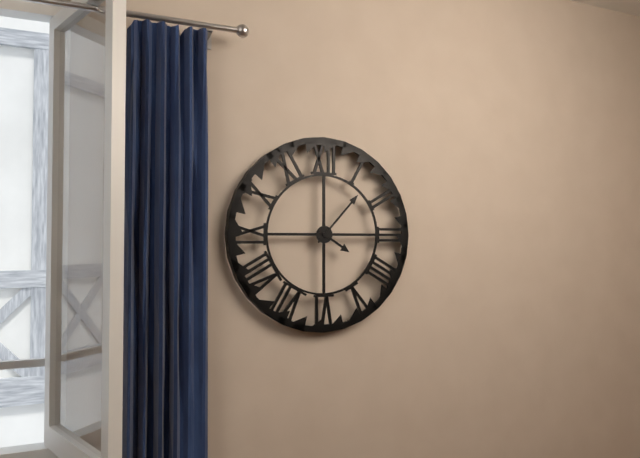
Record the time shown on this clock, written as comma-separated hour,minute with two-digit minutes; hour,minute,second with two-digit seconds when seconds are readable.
4,07
